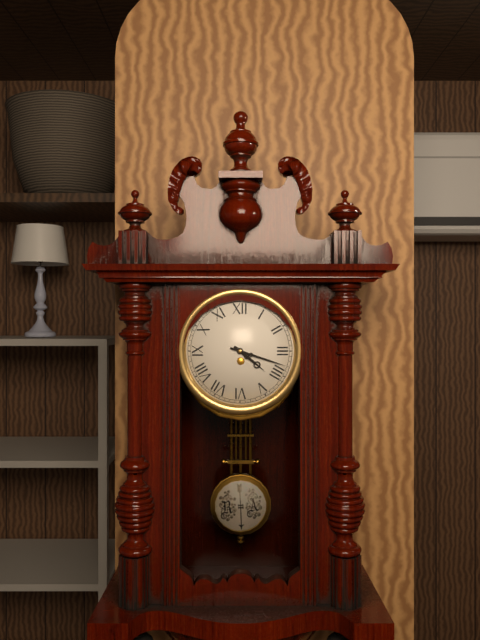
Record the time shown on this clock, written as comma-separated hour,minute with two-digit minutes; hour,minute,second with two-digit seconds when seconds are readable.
4,18
